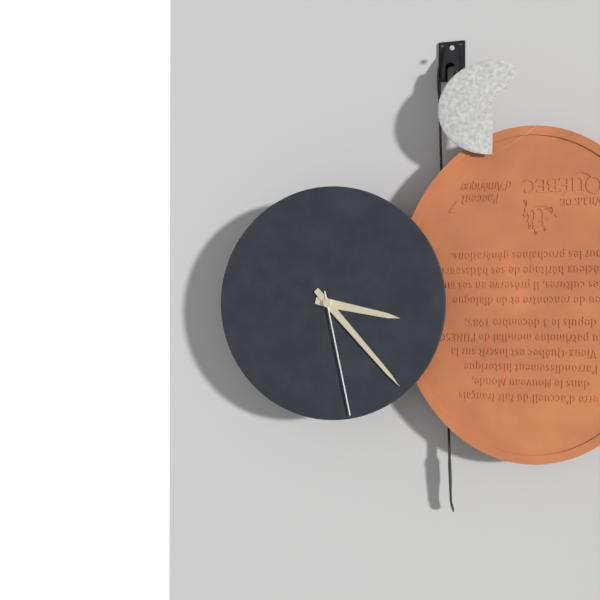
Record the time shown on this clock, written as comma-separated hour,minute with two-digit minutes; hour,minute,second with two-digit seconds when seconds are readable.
3,23,28
